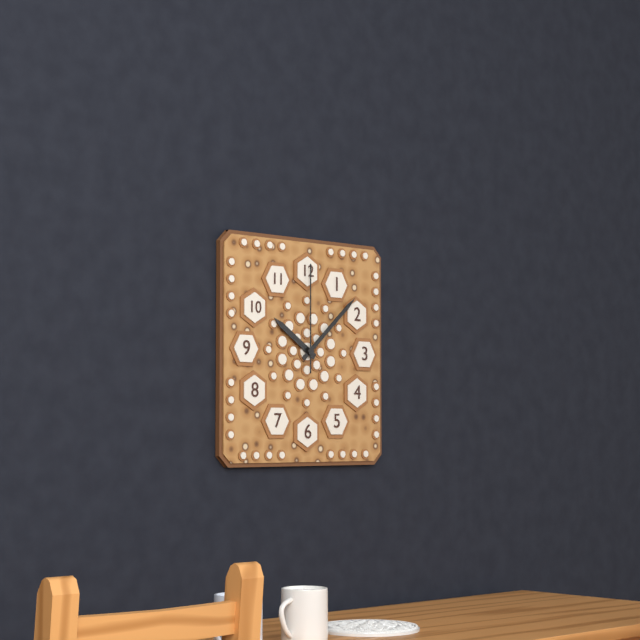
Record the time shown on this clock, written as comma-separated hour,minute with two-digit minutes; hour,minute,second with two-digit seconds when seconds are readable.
10,08,00
